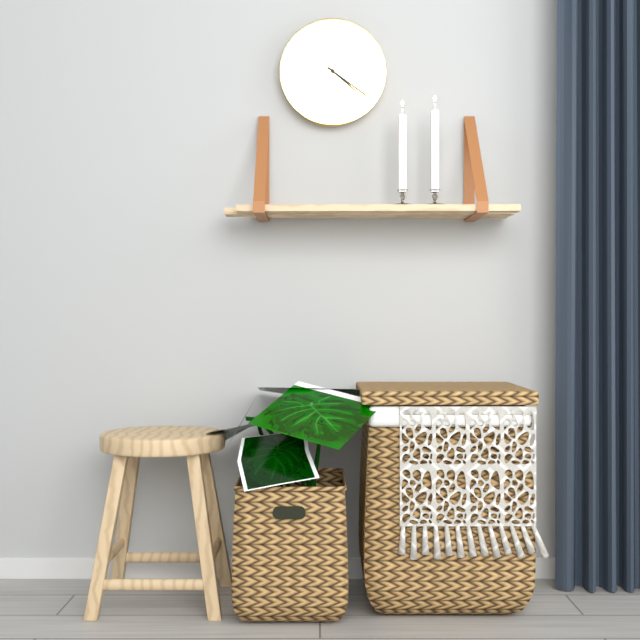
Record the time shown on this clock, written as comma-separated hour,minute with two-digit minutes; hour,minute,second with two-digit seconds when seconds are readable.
4,21
